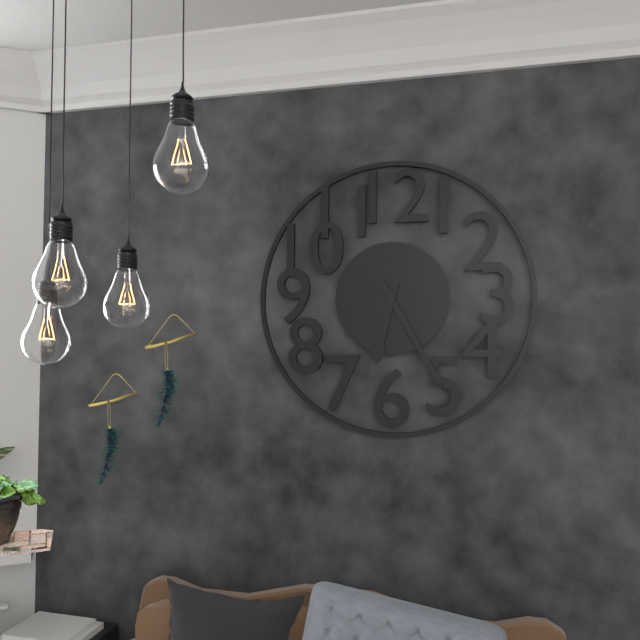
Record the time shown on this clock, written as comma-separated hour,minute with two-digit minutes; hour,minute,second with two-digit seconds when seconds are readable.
6,25
